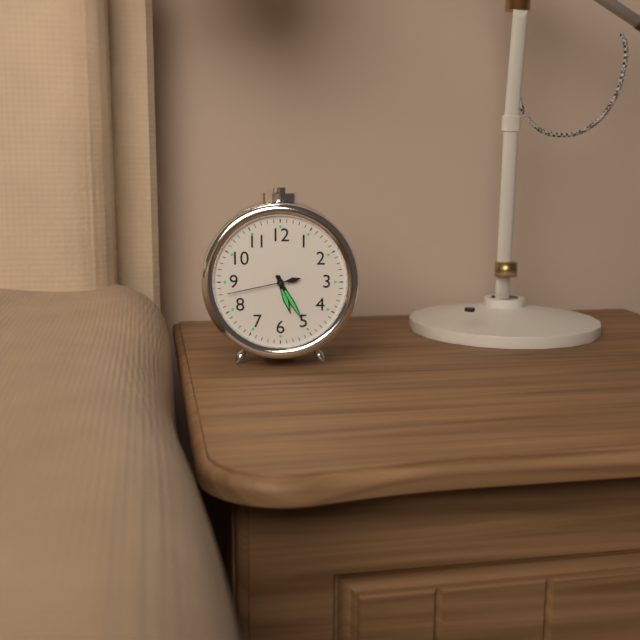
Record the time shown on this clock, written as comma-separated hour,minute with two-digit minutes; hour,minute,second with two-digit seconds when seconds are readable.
5,25,43
